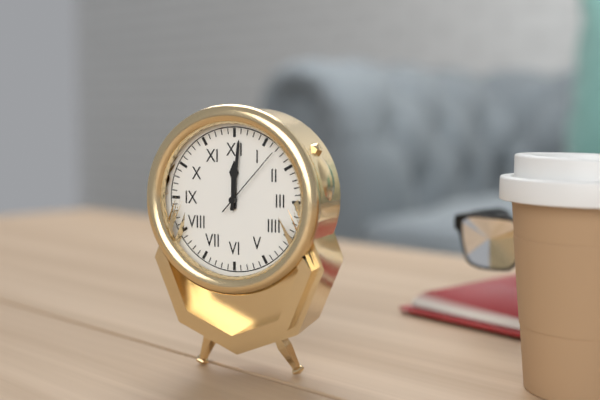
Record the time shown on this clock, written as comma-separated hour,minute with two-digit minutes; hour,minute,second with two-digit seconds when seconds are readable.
12,01,07
